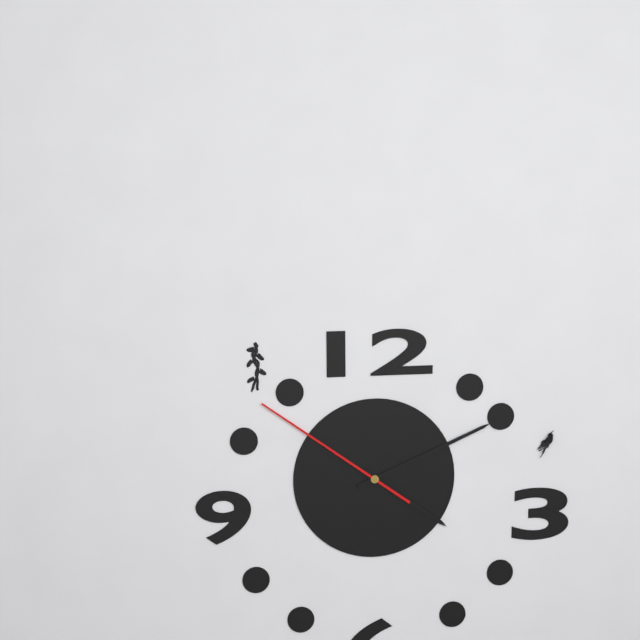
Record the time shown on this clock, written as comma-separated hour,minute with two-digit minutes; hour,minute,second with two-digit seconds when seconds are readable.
4,11,51
